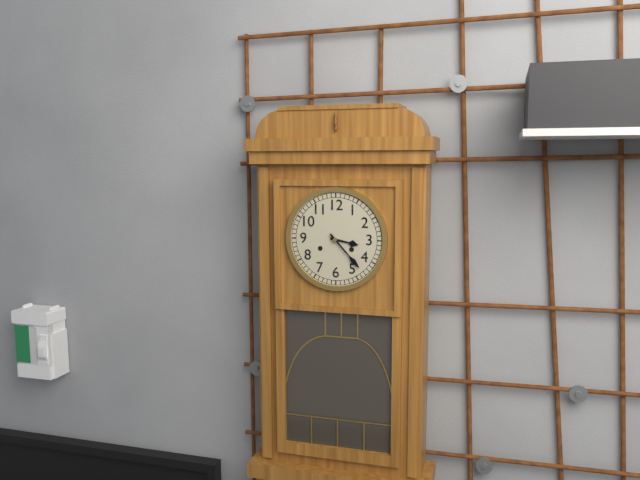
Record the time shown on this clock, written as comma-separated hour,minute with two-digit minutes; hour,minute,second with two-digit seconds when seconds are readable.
3,23
